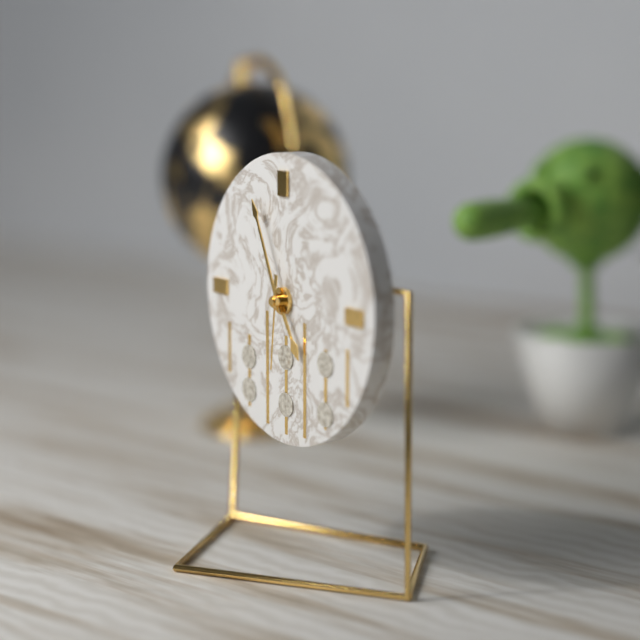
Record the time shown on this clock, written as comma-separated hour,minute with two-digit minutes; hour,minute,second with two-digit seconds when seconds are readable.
4,56,31
